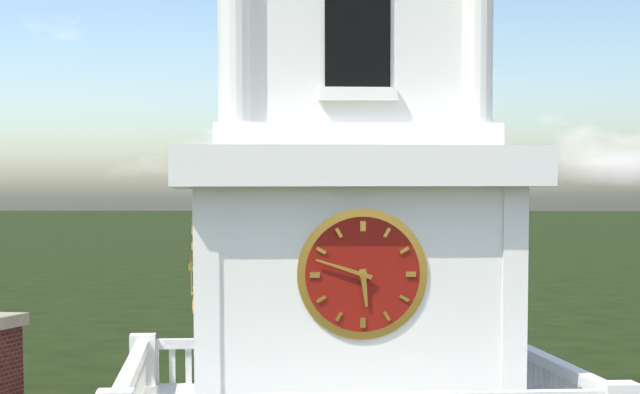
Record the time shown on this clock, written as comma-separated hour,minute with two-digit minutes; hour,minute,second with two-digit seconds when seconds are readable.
5,48
